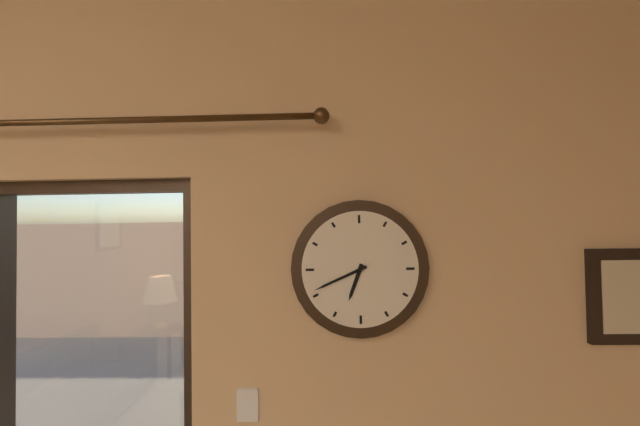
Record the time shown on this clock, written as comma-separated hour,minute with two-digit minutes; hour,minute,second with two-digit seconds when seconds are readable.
6,41
